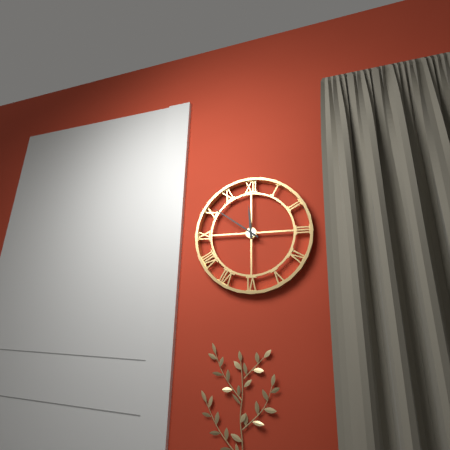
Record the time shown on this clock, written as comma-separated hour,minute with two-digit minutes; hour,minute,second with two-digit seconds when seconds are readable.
11,51
